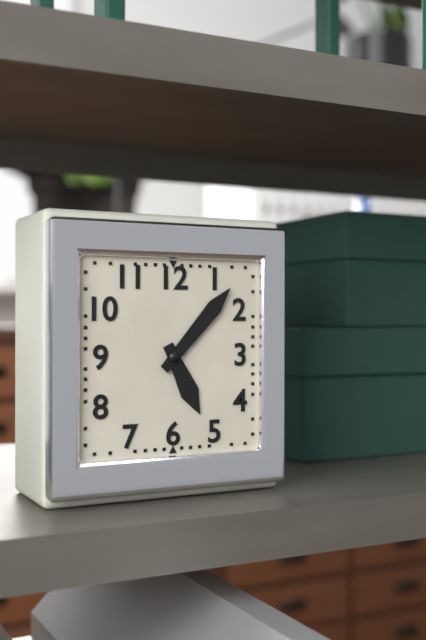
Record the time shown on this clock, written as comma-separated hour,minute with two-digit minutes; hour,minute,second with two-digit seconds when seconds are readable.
5,07
